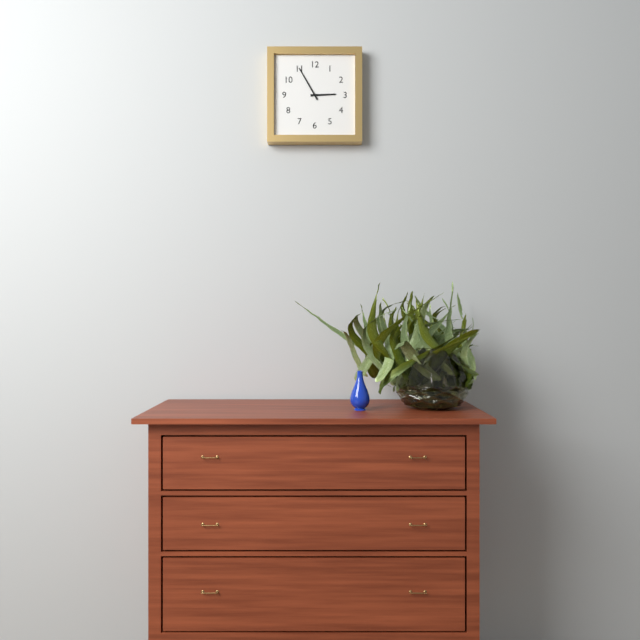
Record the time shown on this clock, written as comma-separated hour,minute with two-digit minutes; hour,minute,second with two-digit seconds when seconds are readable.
2,55
